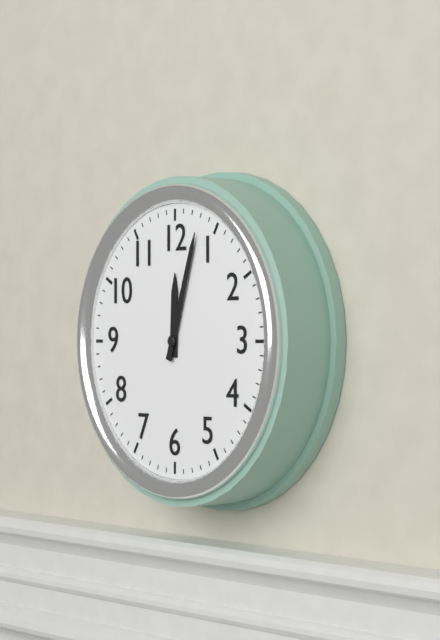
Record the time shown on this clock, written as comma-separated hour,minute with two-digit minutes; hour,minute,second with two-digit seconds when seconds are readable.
12,03
